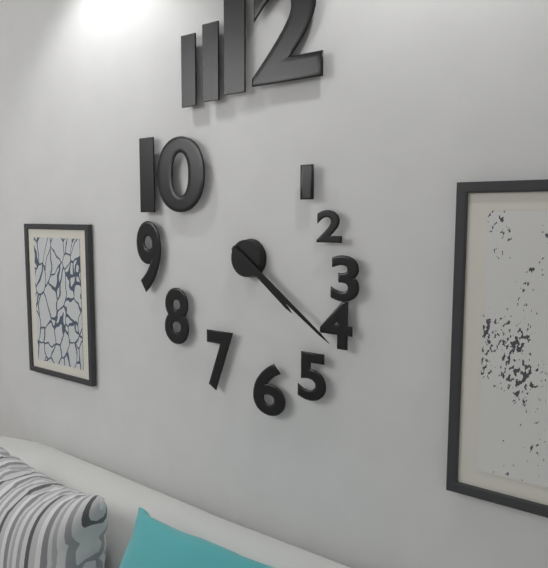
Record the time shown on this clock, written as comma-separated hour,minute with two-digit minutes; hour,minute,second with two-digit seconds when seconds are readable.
4,21
